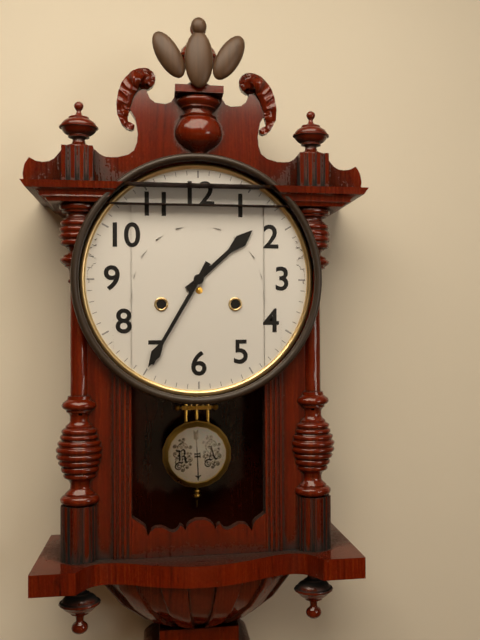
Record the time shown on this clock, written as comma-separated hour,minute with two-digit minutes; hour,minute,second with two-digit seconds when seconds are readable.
1,35
